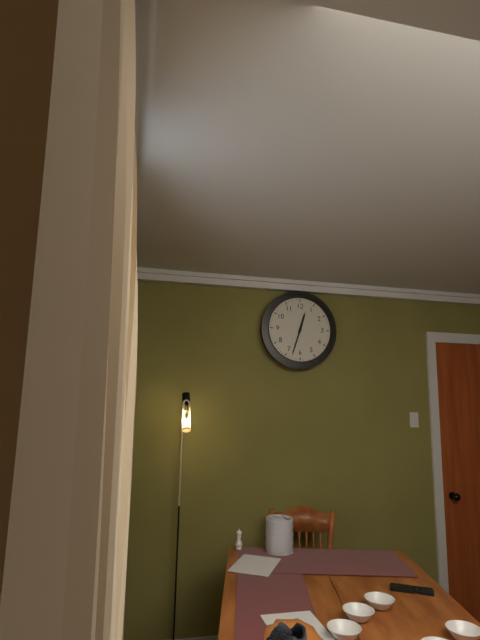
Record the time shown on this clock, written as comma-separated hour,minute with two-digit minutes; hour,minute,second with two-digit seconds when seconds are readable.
12,33
